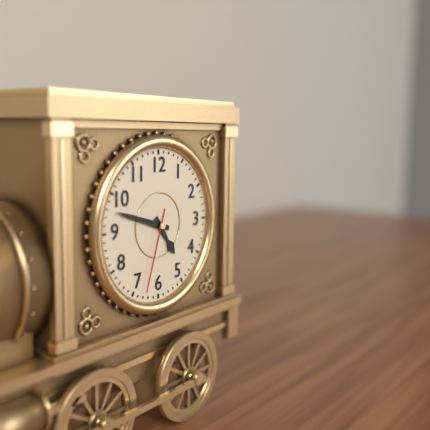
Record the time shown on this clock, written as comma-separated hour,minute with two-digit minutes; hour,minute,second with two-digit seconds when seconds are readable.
4,48,33
